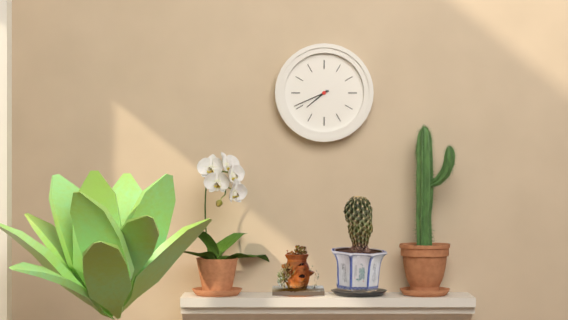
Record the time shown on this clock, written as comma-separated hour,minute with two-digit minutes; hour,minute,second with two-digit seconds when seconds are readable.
7,41
